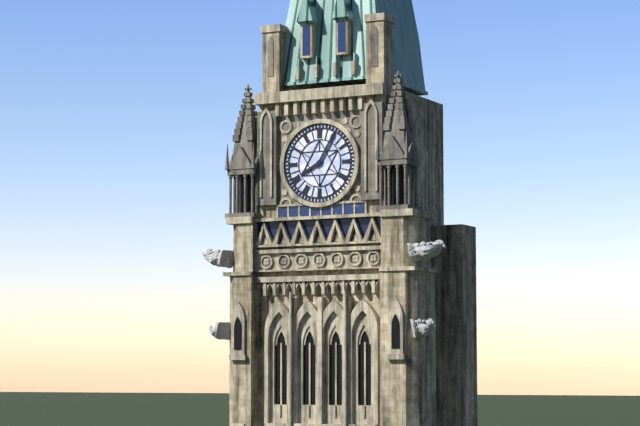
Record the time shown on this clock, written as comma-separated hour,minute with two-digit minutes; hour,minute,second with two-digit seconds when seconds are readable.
8,05
